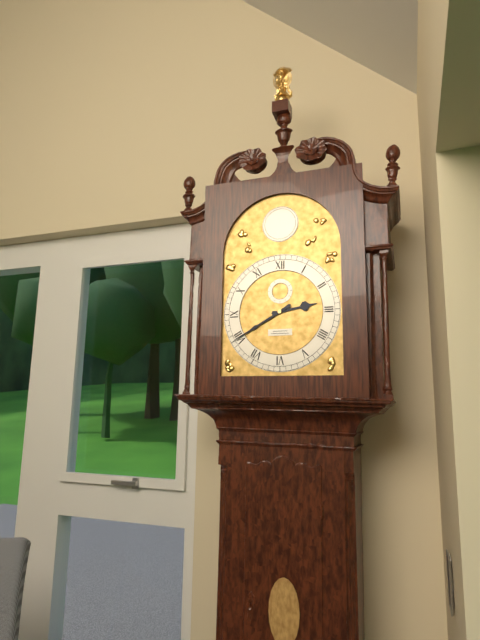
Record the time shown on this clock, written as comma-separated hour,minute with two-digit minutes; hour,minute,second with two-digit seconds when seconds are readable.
2,40
